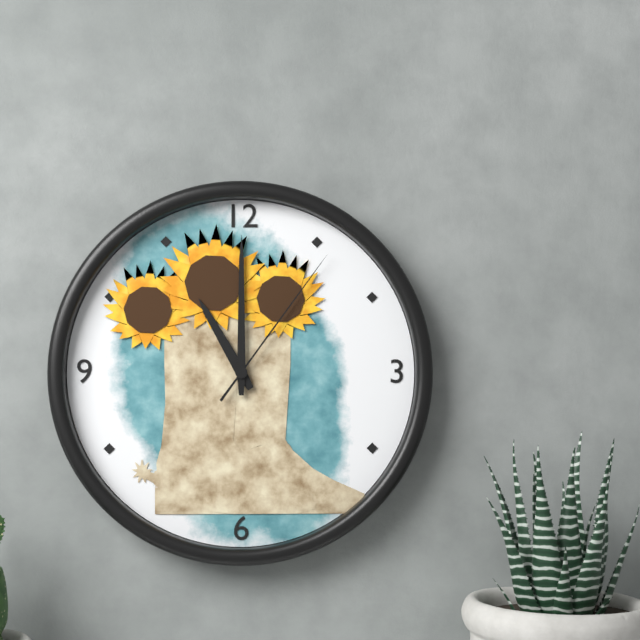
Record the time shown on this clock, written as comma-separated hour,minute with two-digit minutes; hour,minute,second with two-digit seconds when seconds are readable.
11,00,06
